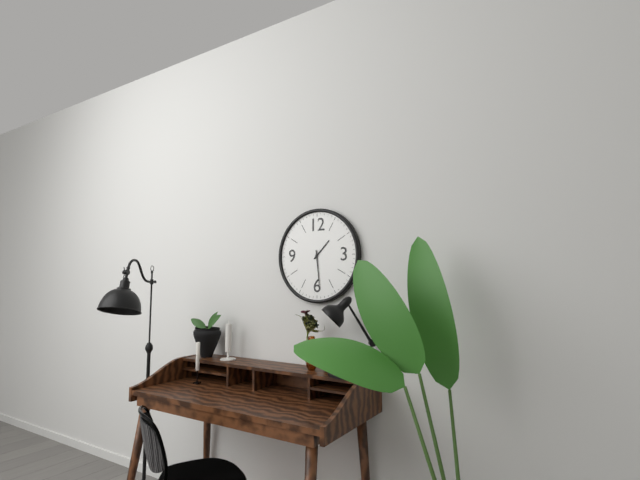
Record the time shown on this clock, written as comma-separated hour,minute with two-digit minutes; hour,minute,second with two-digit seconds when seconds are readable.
1,29
